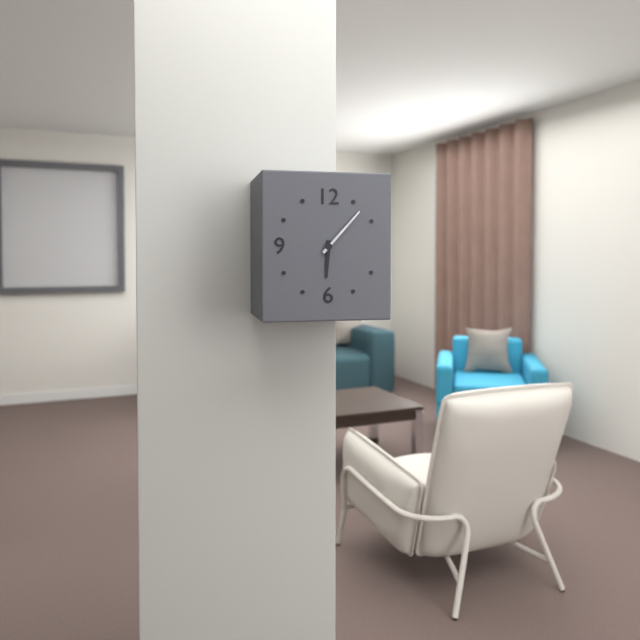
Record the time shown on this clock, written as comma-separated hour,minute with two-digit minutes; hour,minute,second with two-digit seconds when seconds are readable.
6,07
